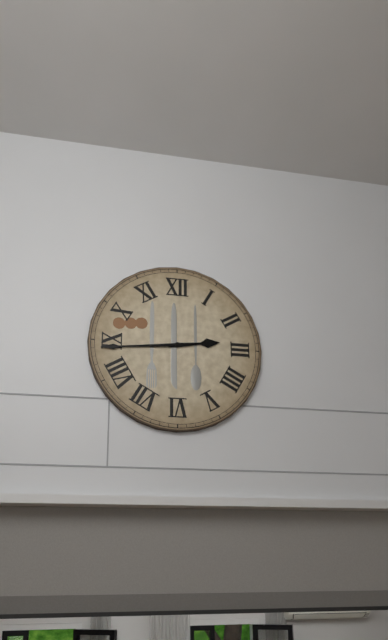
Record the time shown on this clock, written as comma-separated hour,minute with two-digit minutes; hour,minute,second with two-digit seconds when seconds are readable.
2,44
